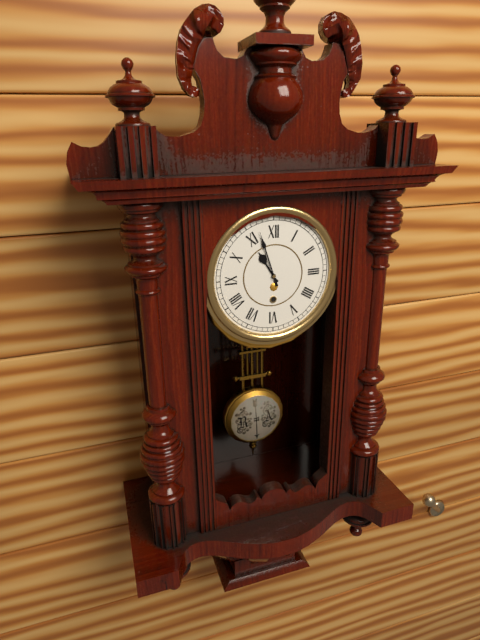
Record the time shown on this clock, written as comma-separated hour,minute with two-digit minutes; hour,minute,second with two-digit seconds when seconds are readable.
10,57
